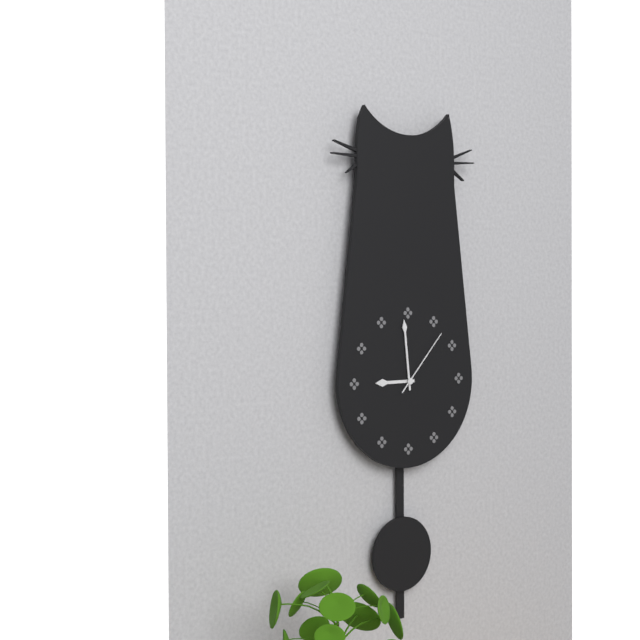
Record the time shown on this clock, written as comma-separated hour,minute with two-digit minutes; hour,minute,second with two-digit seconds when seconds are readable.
8,59,07
